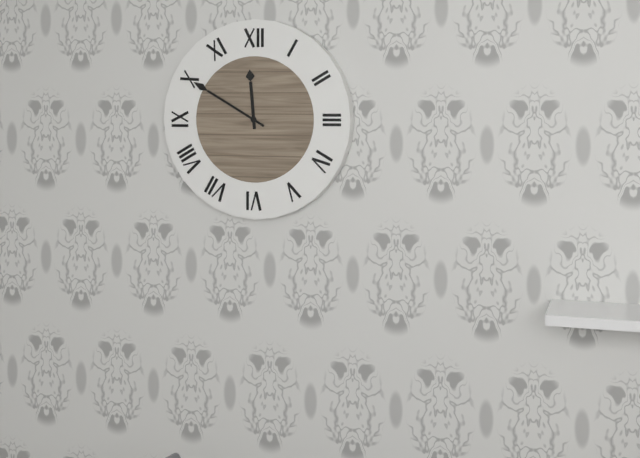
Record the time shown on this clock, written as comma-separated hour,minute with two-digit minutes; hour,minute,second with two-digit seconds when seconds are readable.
11,50
